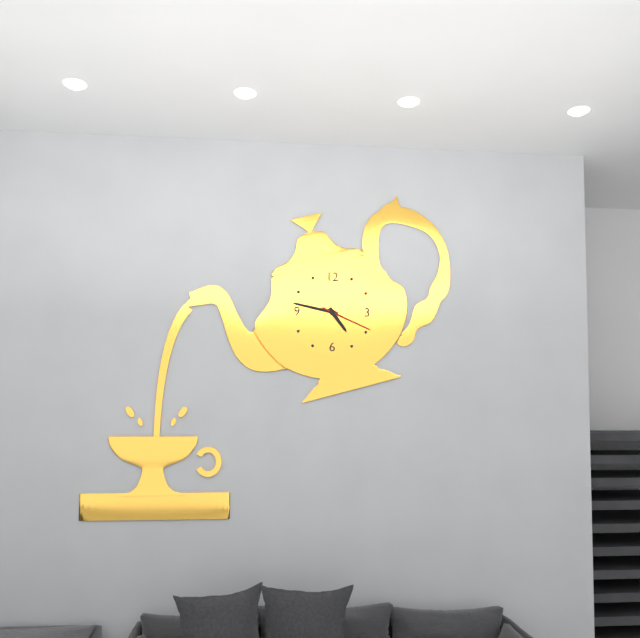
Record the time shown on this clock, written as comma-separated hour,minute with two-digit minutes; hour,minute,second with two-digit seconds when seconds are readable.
4,47,19
